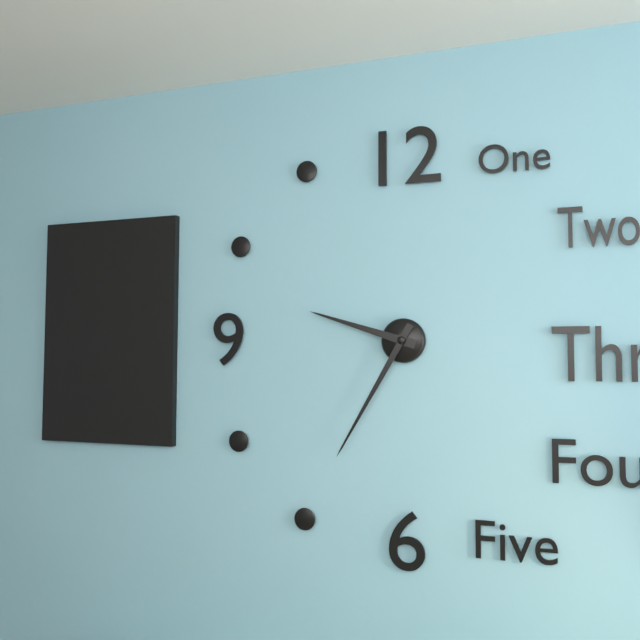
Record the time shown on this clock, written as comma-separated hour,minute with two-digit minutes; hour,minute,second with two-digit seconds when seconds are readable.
9,35
